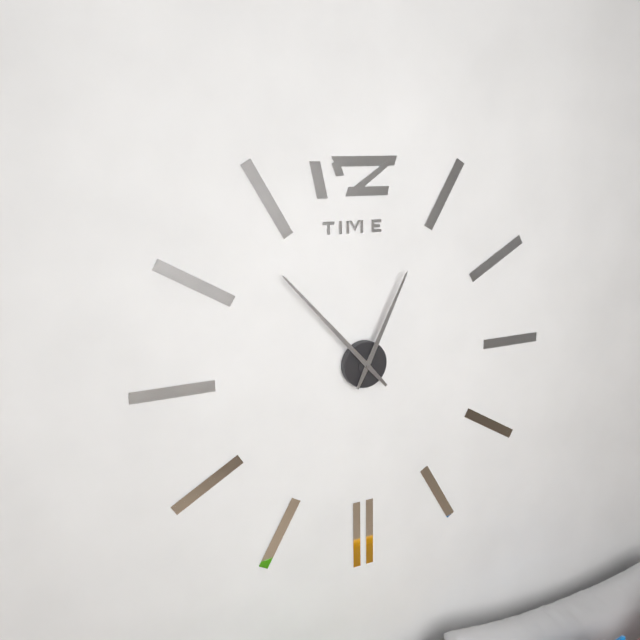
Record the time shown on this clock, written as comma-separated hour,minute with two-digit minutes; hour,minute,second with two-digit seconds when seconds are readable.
12,53
